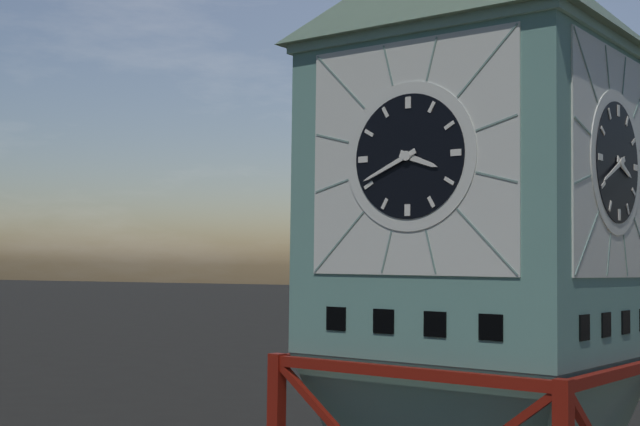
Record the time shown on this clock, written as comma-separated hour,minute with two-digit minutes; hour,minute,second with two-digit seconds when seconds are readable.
3,41
